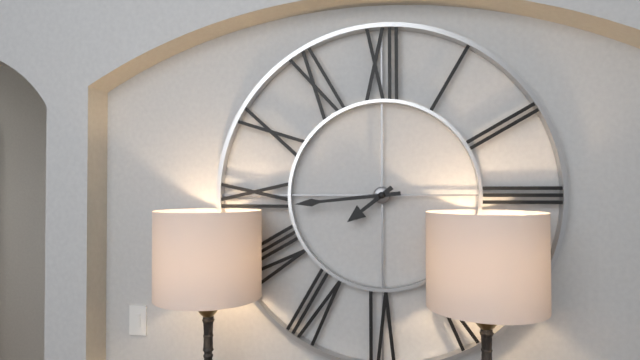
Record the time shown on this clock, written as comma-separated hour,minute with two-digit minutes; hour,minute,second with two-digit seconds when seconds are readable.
7,44
